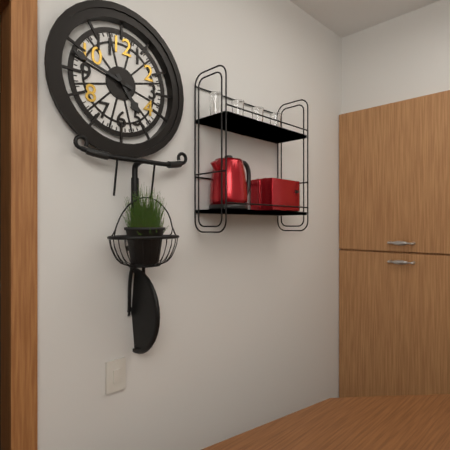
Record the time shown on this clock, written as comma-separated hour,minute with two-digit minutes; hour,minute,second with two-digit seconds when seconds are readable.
4,48
